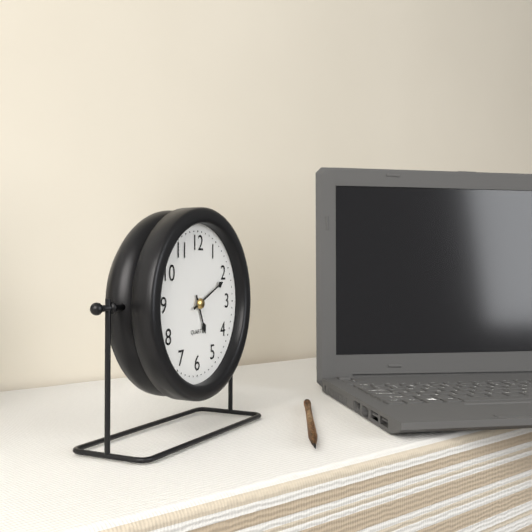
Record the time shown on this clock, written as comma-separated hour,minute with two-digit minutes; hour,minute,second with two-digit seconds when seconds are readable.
5,11
